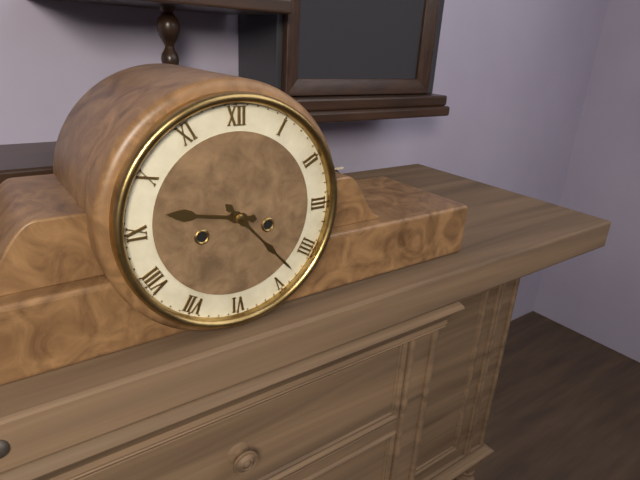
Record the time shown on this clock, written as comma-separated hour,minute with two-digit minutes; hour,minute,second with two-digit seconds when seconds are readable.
9,23
